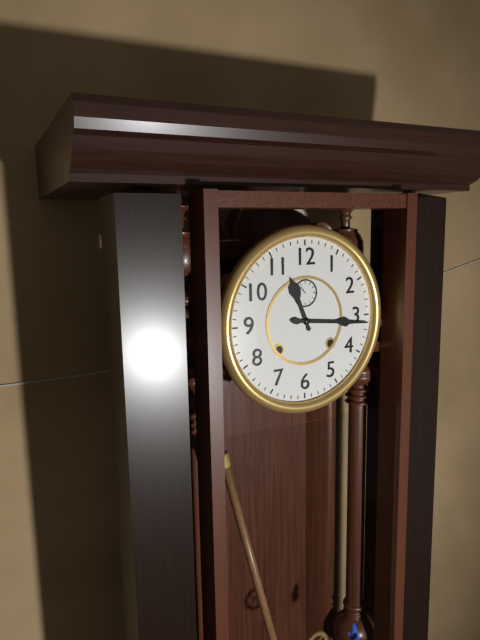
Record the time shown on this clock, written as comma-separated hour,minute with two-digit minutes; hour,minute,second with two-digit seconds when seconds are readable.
11,16
